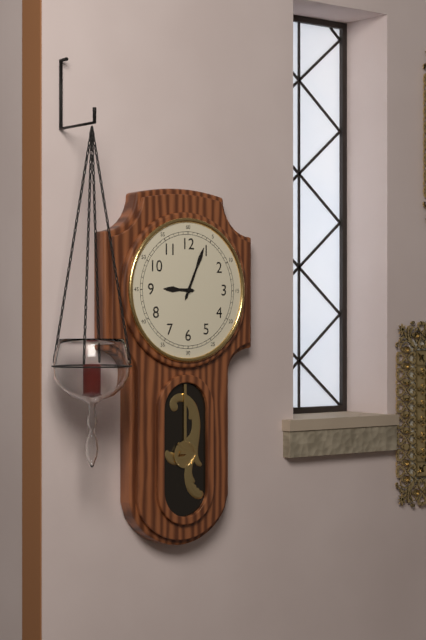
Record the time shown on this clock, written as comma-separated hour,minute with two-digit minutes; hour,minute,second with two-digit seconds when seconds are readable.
9,04
